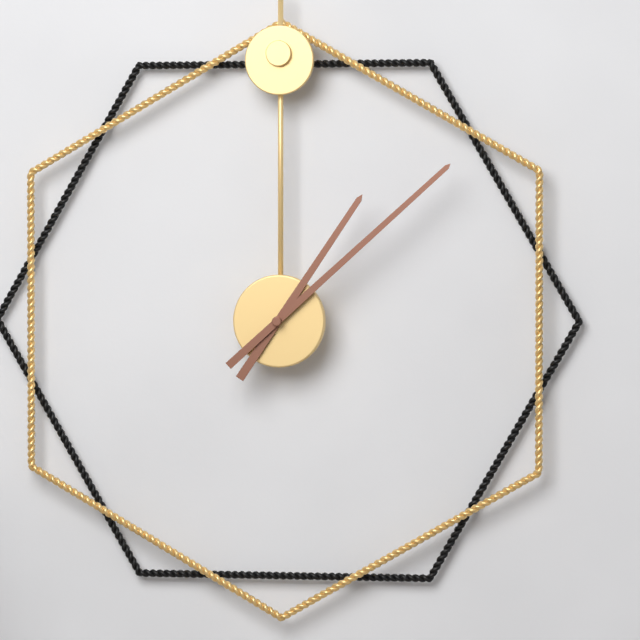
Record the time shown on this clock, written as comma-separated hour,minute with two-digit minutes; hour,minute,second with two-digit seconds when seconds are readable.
1,08
